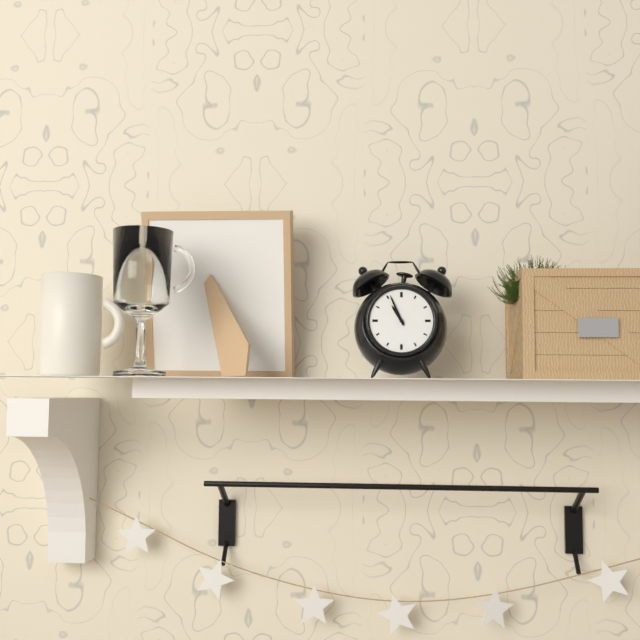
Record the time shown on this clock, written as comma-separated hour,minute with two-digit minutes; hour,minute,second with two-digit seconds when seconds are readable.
10,56
